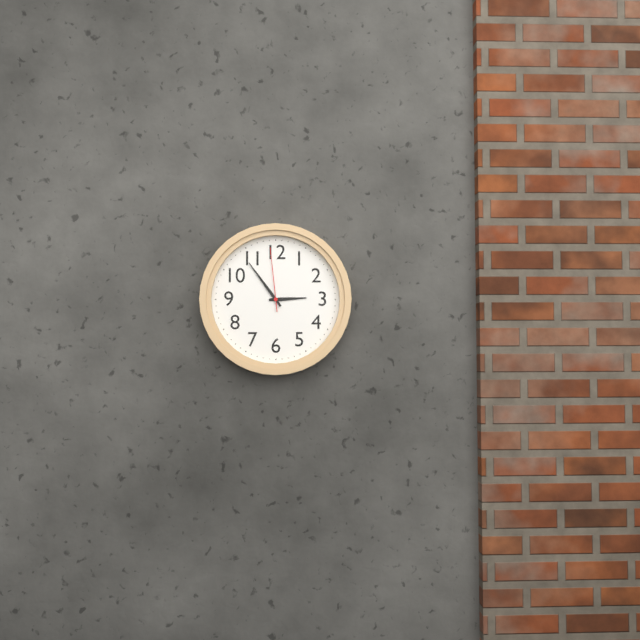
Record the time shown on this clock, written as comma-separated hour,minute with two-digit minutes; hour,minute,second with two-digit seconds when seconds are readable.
2,54,59
